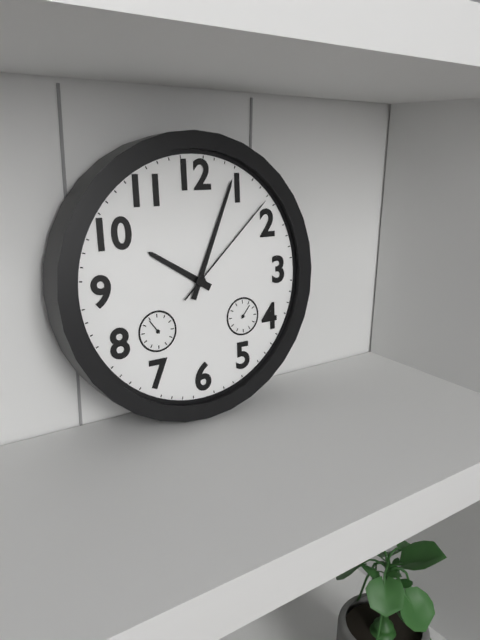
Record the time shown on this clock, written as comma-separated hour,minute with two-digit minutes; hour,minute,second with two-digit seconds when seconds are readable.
10,04,08
